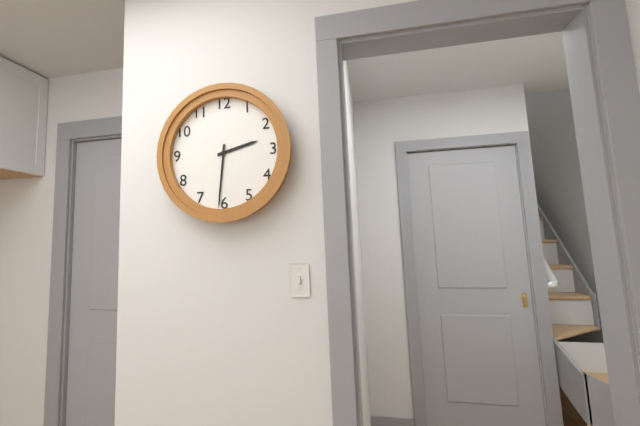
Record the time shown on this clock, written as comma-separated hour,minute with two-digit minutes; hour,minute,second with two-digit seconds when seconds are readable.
2,31
